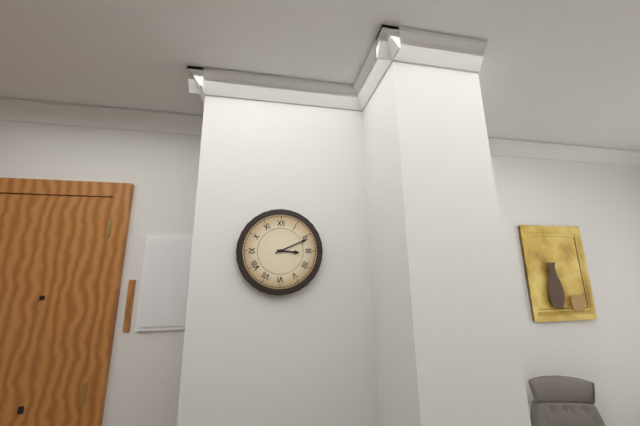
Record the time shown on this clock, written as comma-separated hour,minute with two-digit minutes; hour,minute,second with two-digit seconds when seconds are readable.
3,11
